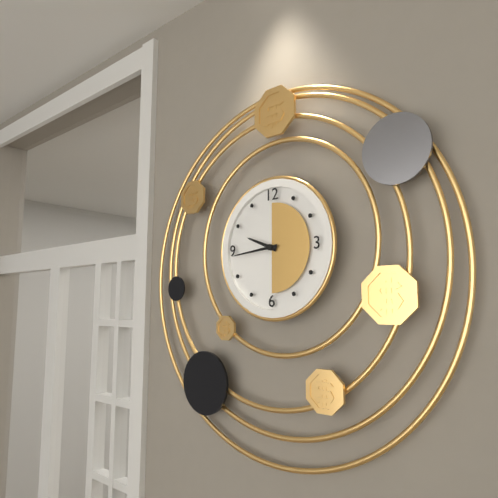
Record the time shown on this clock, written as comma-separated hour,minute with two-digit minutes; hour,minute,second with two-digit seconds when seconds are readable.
9,44
